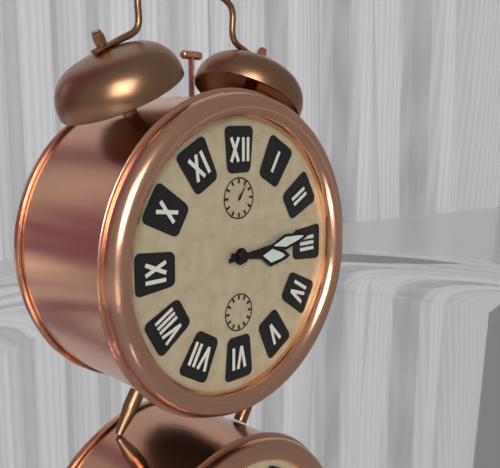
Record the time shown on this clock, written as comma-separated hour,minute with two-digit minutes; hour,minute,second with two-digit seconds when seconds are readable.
3,14
